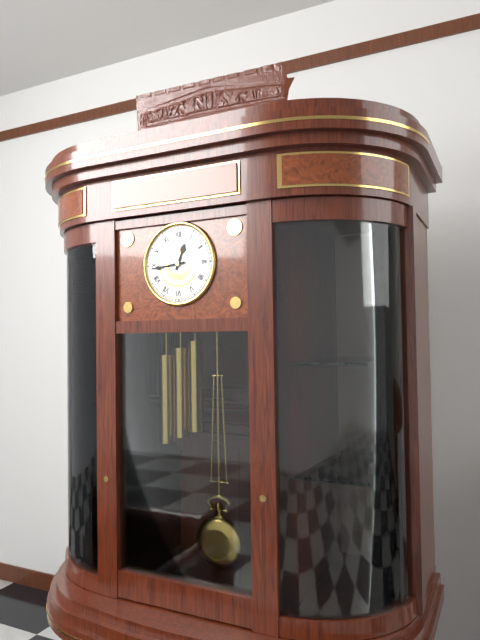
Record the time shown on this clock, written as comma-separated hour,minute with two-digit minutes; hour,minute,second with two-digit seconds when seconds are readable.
12,44
